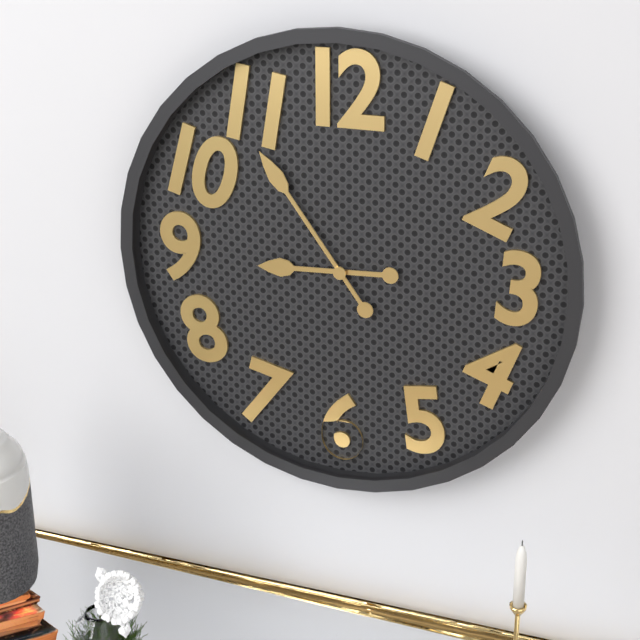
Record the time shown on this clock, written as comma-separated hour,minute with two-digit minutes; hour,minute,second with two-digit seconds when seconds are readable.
8,54
